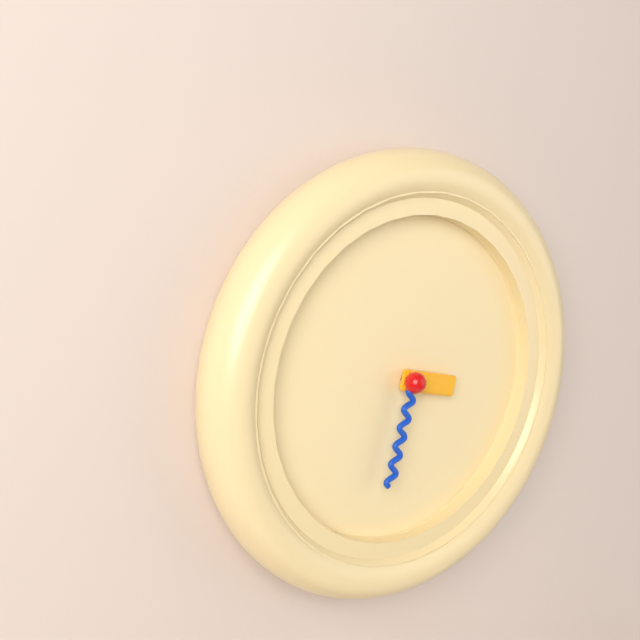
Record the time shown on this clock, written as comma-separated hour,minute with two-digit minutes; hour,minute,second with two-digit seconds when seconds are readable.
3,33
